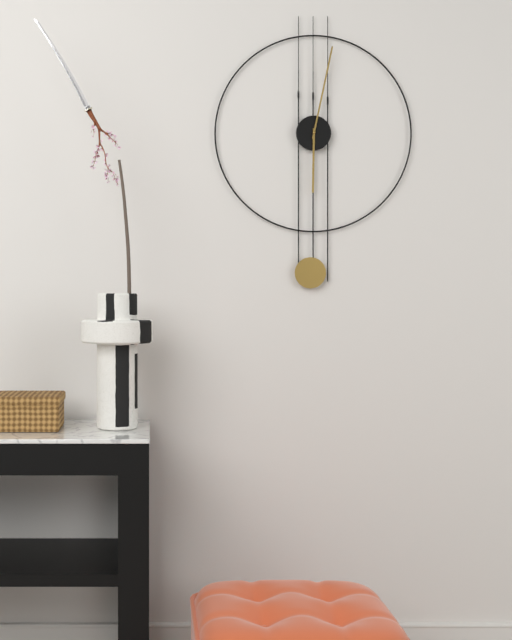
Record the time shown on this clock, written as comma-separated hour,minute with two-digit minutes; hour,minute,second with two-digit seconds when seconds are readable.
6,02
